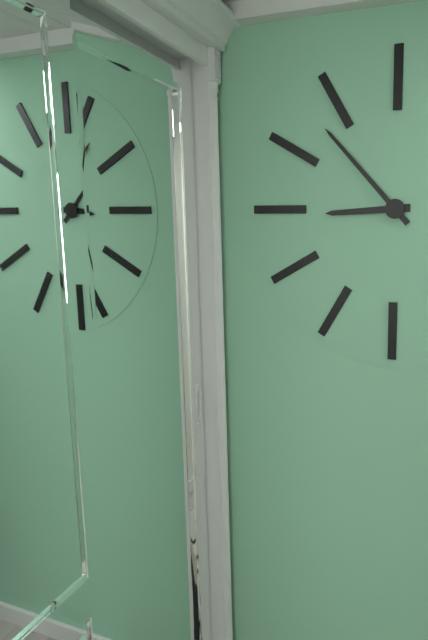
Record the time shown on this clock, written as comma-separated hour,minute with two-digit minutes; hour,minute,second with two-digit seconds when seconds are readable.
8,53
